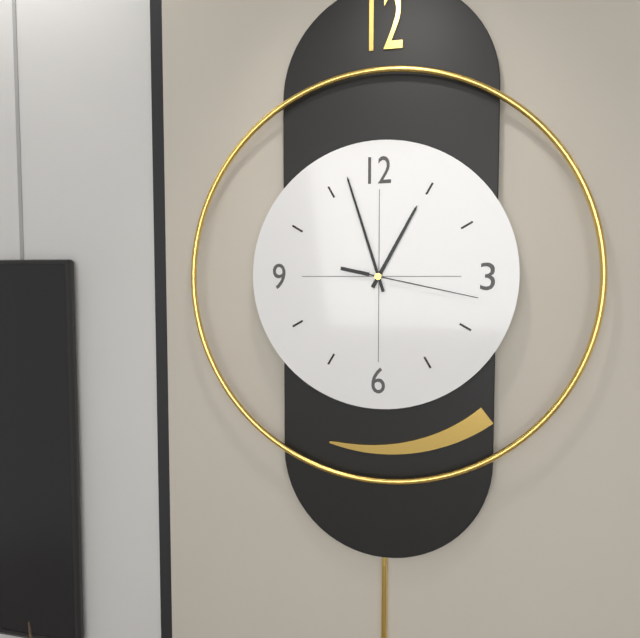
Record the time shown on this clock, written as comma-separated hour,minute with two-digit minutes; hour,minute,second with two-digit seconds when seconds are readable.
12,57,17
